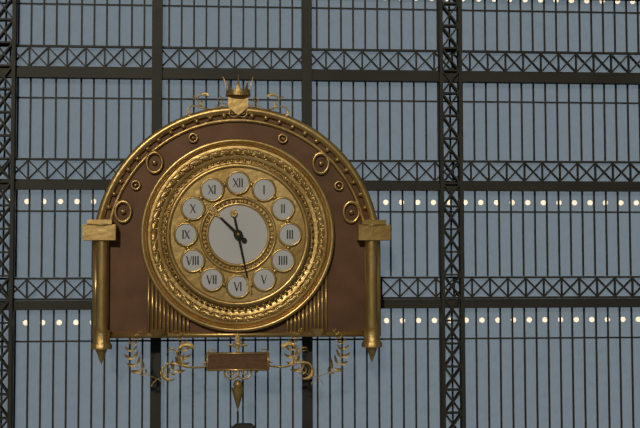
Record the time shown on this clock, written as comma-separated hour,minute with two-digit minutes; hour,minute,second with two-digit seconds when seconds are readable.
10,28
